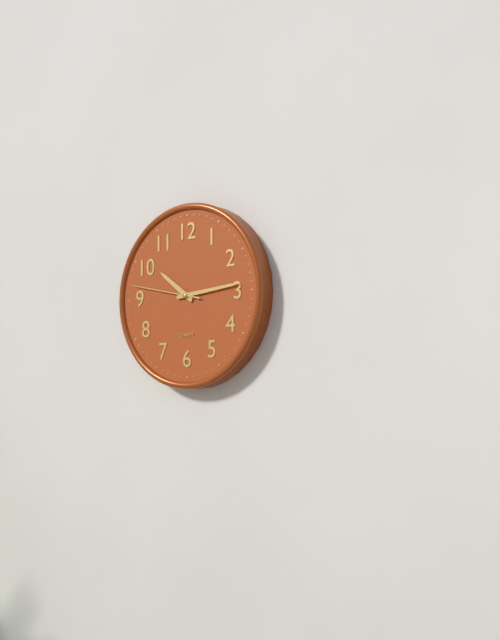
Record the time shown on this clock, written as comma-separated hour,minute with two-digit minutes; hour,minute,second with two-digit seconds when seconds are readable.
10,14,47
